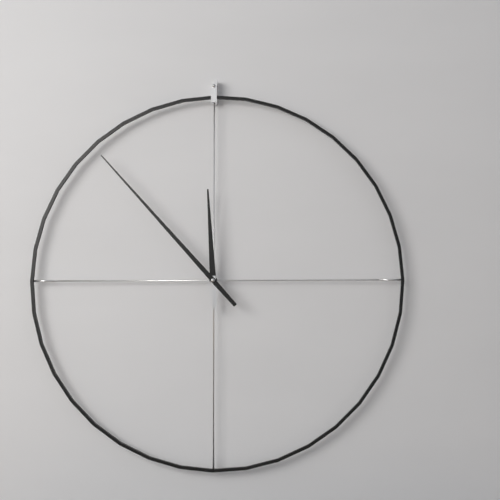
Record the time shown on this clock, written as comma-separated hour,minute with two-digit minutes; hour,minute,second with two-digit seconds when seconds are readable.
11,53
